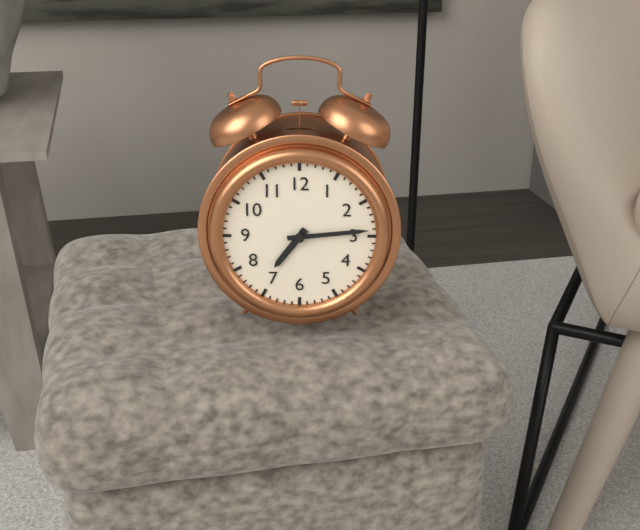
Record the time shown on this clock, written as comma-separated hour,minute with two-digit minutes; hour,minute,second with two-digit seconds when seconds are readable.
7,14
